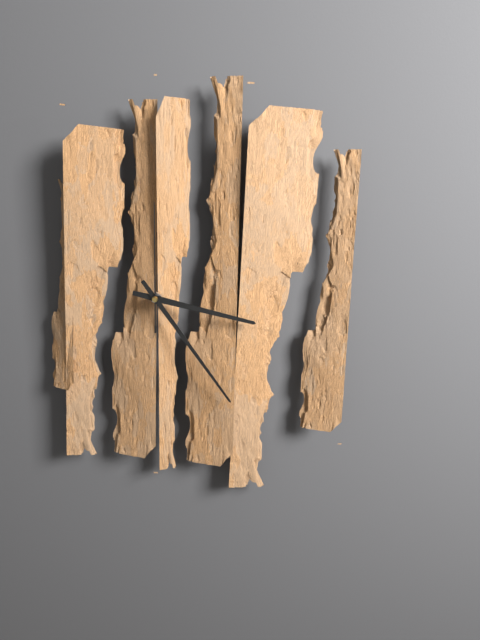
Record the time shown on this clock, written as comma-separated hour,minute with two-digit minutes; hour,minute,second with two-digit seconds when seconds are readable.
3,24,00
